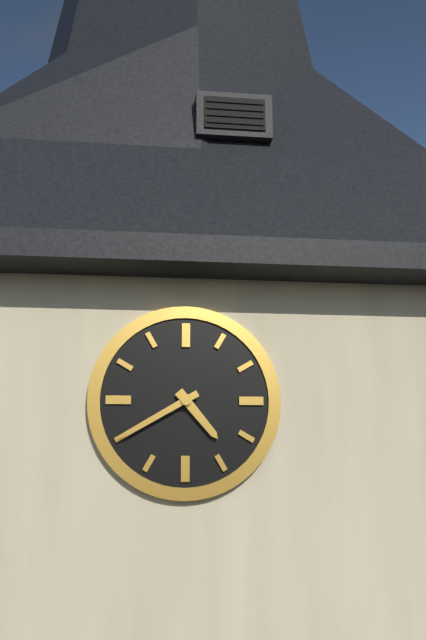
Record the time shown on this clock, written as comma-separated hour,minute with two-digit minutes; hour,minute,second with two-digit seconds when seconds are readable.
4,40
